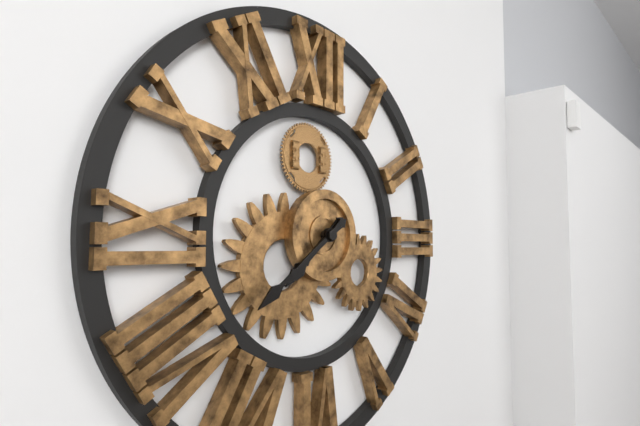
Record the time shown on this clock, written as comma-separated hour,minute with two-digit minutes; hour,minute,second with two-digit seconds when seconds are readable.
7,39
